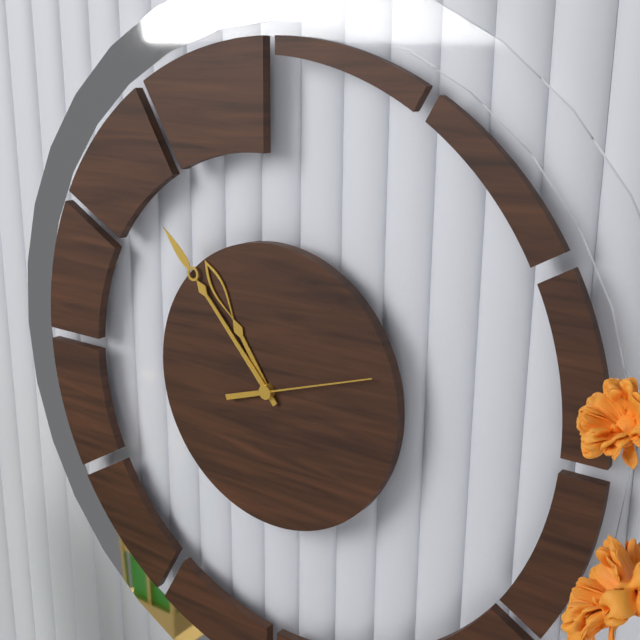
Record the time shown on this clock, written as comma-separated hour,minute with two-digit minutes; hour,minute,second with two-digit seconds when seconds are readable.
10,53,12
